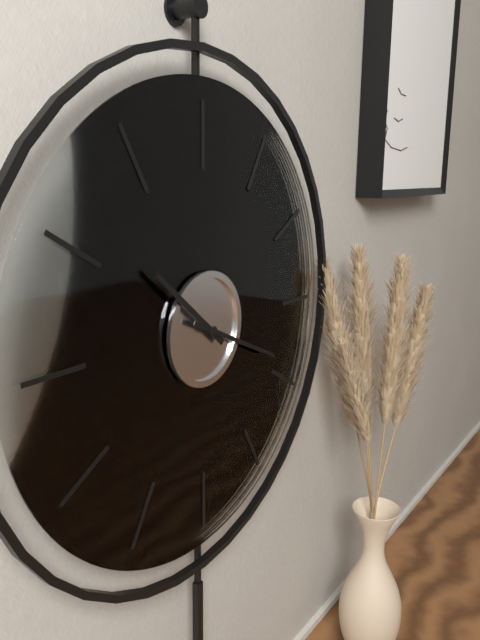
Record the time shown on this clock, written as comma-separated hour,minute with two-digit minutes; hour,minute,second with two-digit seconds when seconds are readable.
10,19
